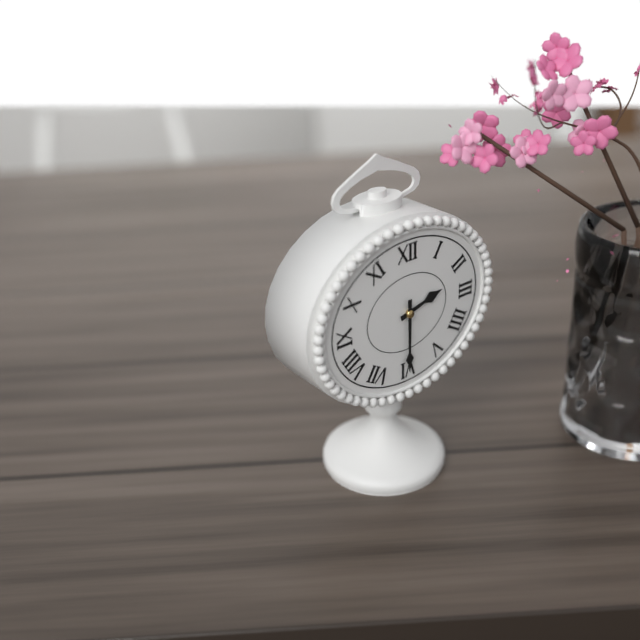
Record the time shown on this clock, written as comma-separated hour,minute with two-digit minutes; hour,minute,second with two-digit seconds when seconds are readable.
2,30
